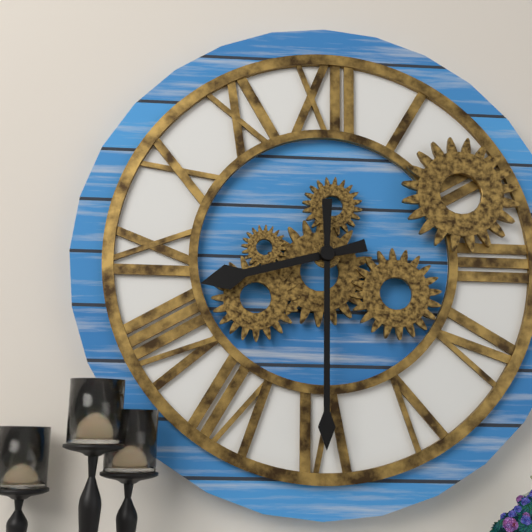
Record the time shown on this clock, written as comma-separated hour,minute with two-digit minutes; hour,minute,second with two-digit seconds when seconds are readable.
8,30
